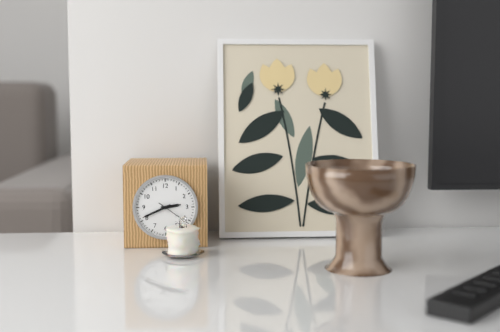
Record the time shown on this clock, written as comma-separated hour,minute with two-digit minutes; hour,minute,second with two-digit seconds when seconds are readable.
2,41
